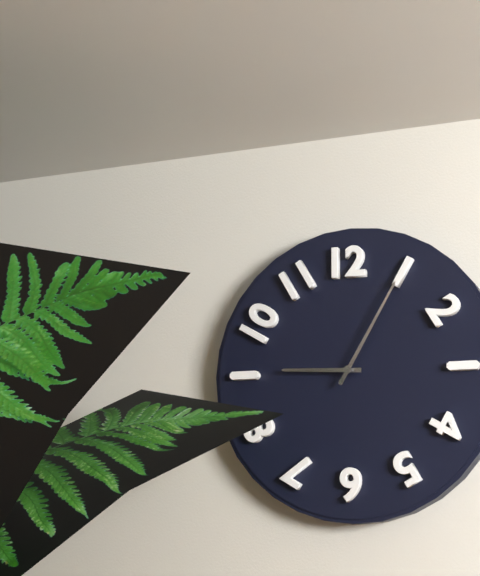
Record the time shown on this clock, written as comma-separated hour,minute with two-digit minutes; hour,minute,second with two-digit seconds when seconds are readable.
9,05
